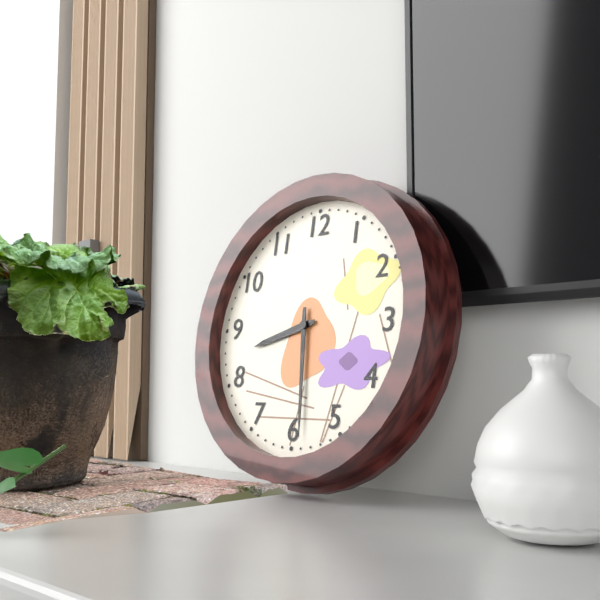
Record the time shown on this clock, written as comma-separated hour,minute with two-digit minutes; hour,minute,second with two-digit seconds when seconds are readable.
8,29
